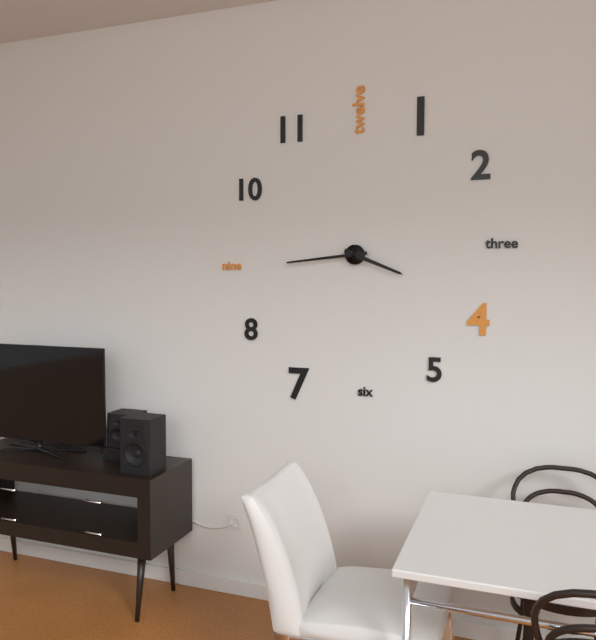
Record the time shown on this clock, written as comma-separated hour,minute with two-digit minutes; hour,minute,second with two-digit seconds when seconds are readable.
3,44
